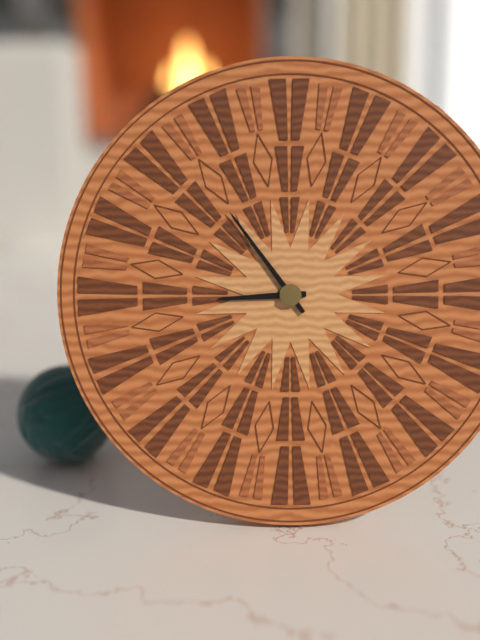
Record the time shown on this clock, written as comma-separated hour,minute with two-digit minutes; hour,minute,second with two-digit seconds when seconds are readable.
8,54
